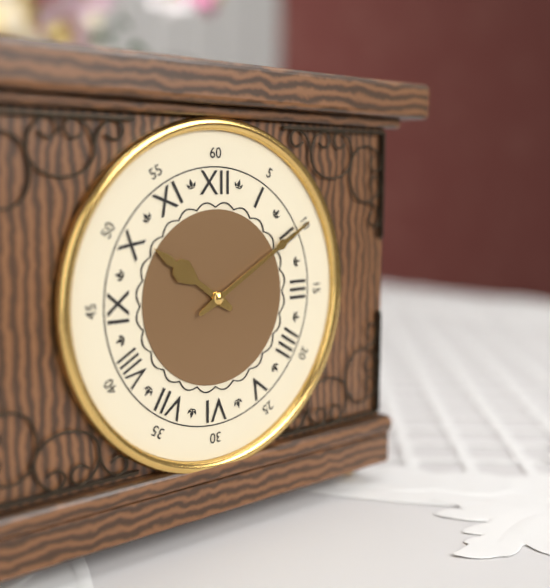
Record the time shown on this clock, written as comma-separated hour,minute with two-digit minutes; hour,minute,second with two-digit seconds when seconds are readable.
10,10
